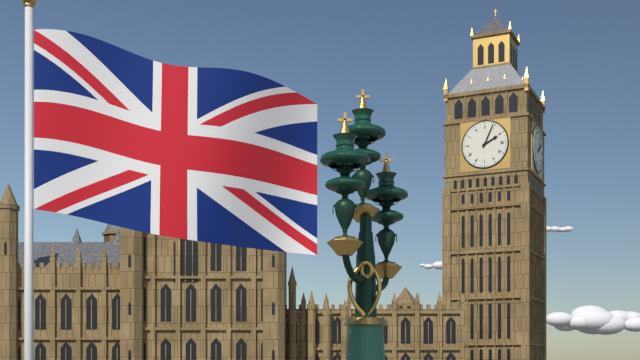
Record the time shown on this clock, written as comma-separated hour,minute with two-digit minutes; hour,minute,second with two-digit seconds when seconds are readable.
2,04
